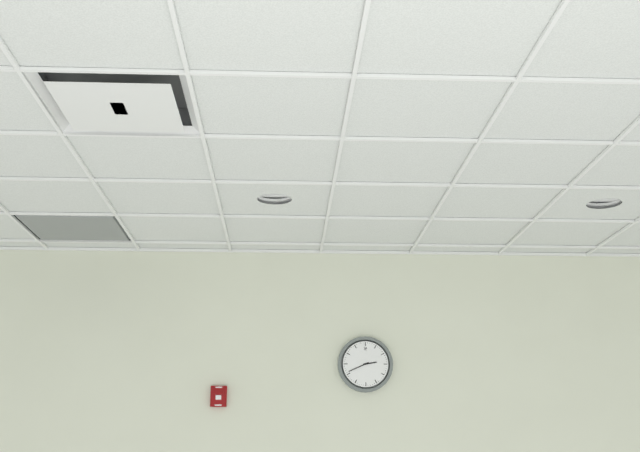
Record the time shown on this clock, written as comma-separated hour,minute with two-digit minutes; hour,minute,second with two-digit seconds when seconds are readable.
2,41
